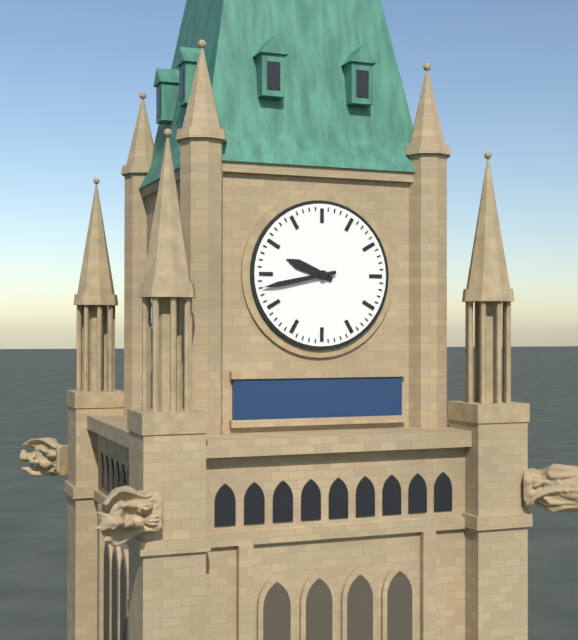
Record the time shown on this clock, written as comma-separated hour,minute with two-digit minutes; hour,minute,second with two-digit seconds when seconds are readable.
9,43
